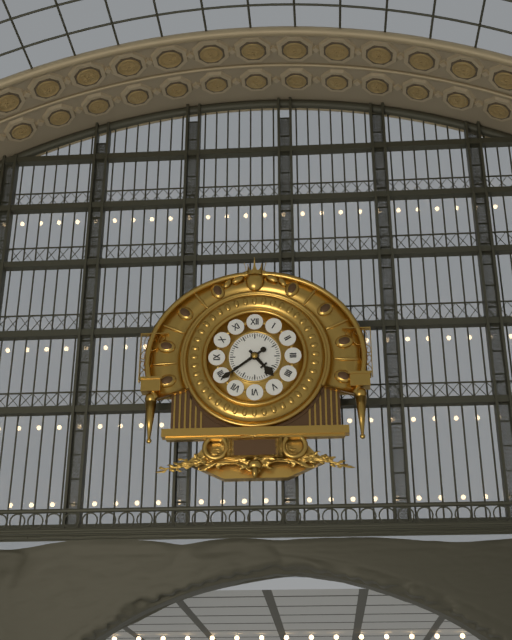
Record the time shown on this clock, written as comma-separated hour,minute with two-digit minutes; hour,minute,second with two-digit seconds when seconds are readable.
4,39
